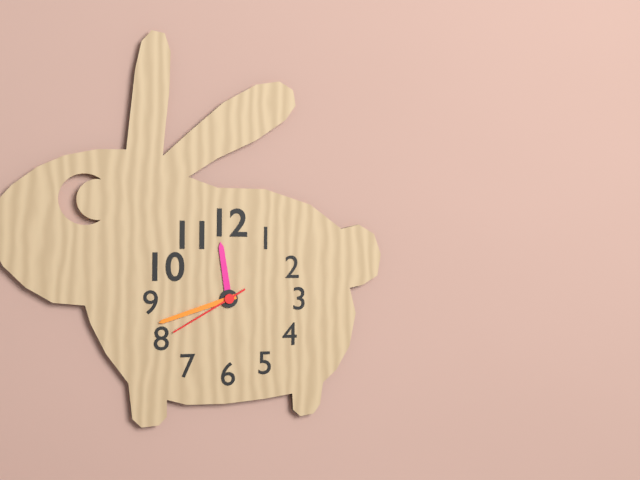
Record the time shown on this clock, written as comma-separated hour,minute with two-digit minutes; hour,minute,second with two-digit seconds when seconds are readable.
11,42,40
